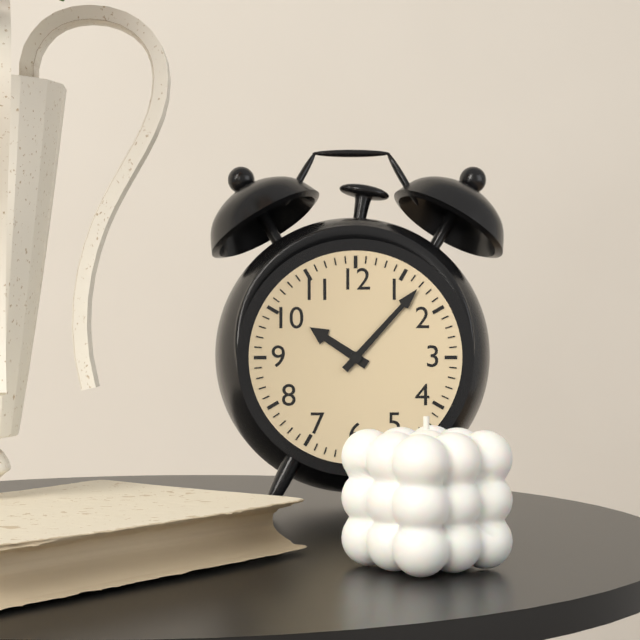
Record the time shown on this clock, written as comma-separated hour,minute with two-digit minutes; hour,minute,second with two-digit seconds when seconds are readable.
10,07
